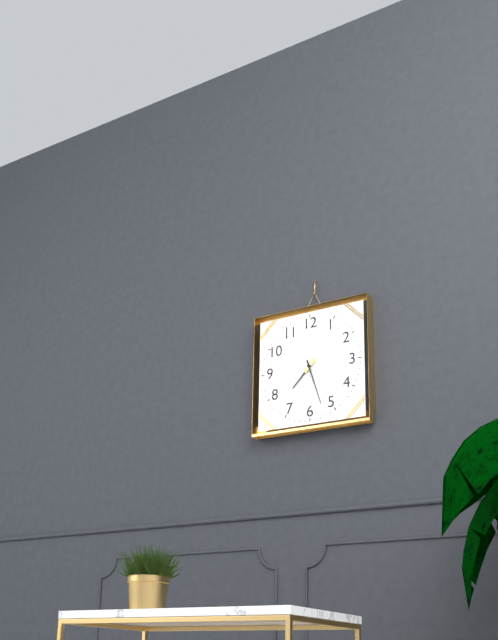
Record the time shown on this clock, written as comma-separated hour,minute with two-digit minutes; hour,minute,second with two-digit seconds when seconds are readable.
7,27
